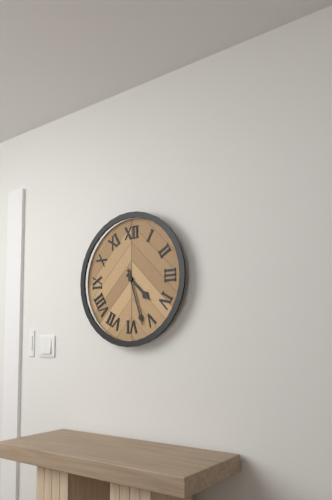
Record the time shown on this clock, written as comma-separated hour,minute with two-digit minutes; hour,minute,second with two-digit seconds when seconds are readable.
4,27
